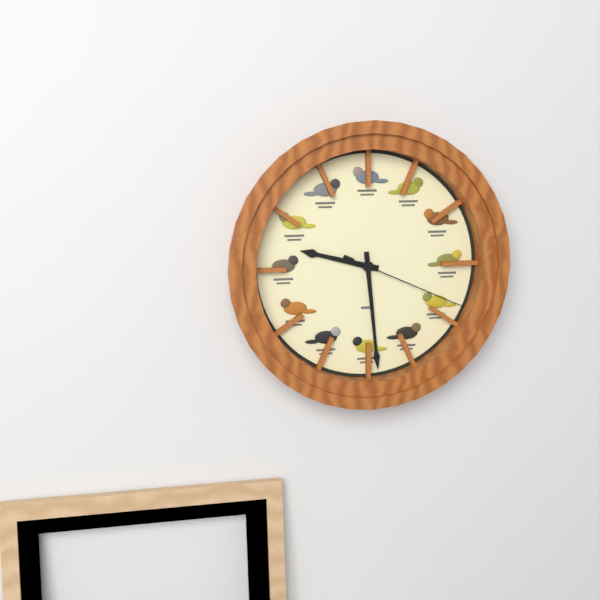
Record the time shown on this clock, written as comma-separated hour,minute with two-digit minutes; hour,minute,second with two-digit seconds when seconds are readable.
9,29,19
